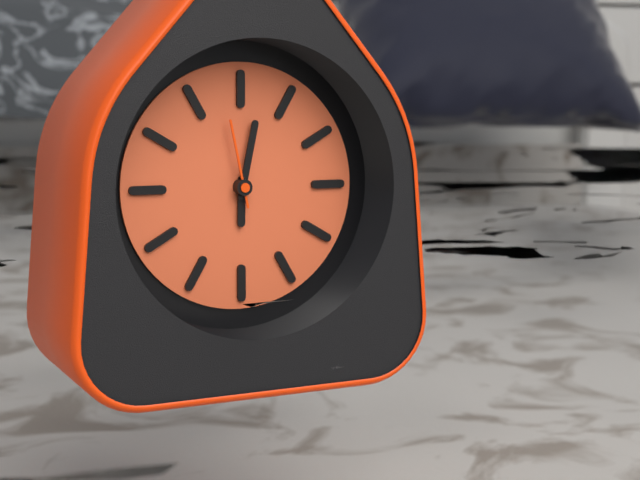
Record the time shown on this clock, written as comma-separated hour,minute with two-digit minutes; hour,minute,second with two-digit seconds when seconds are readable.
6,02,58
